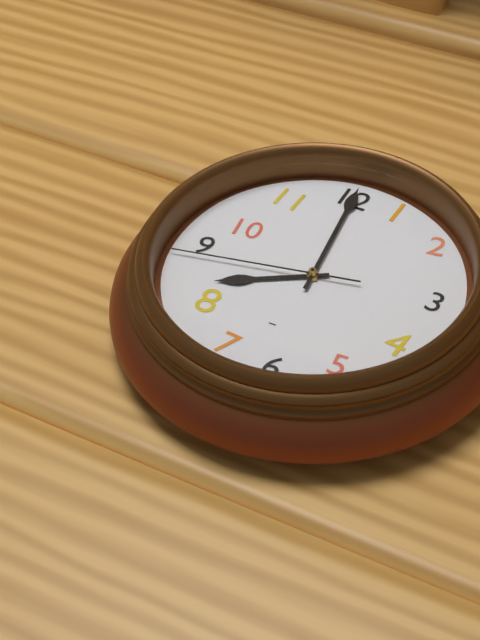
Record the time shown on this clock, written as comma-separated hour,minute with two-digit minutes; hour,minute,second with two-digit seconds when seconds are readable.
7,59,43
